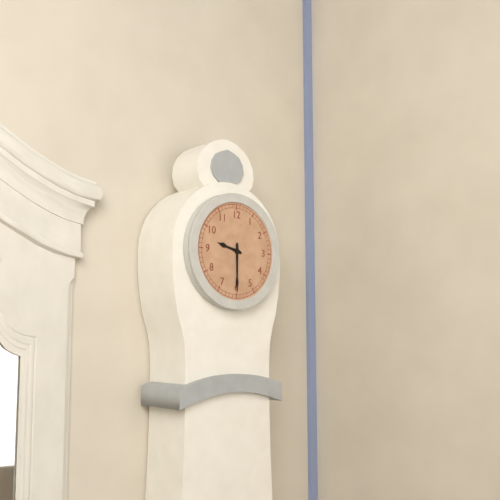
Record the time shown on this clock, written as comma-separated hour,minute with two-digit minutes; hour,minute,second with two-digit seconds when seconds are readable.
9,30
